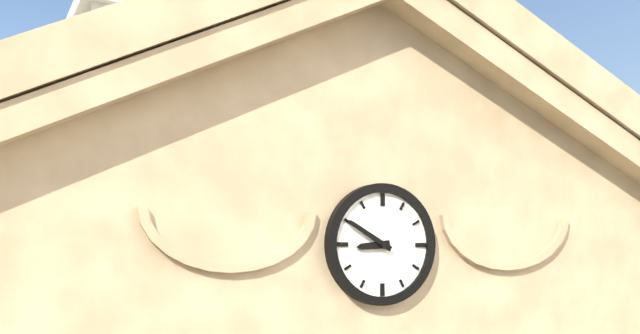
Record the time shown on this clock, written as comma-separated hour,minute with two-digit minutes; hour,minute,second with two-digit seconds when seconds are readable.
8,50
